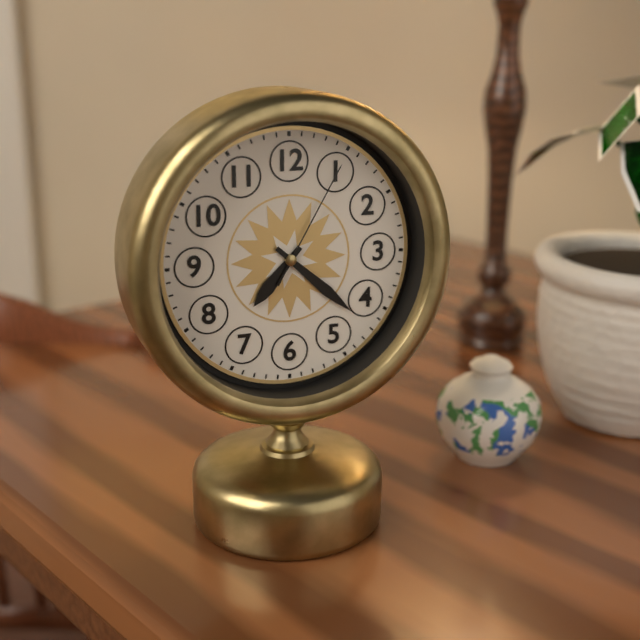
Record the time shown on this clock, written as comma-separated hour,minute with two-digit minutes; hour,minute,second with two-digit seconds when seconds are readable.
7,22,05
